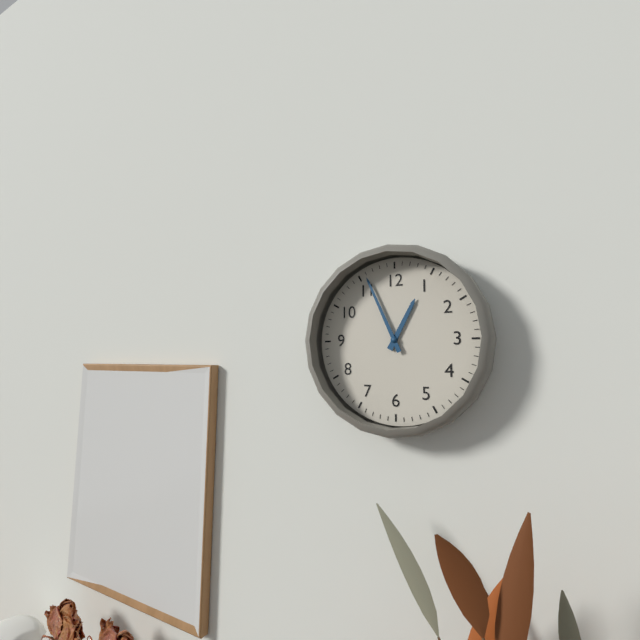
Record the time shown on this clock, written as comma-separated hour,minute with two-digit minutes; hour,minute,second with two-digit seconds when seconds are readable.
12,56
